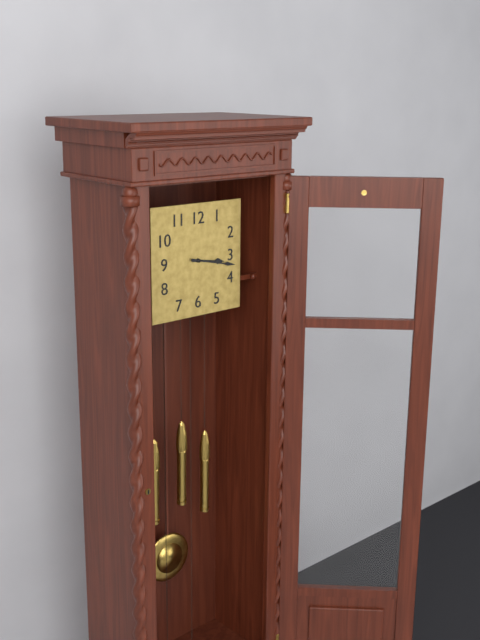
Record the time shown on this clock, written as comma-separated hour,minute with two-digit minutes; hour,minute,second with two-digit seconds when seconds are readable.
3,17
